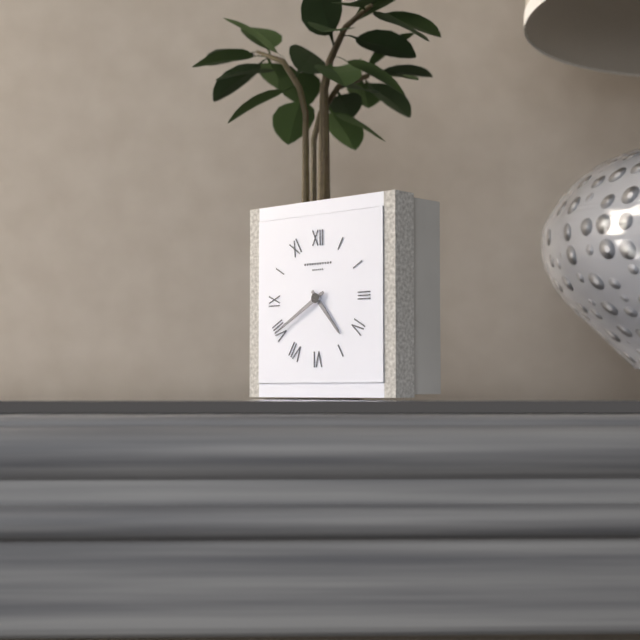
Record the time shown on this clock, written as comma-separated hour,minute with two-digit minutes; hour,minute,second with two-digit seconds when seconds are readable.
4,40
